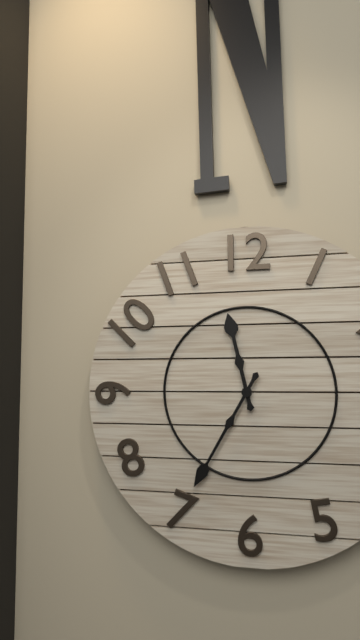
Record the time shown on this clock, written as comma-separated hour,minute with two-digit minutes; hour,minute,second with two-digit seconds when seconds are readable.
11,35
